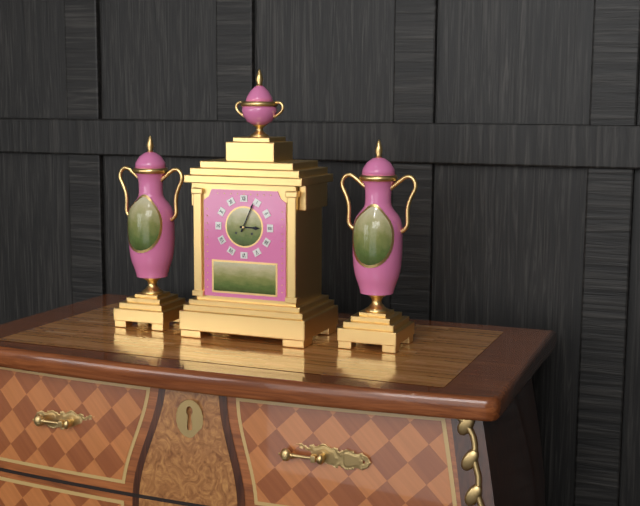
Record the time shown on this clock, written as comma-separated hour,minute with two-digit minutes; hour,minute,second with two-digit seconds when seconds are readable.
3,04
